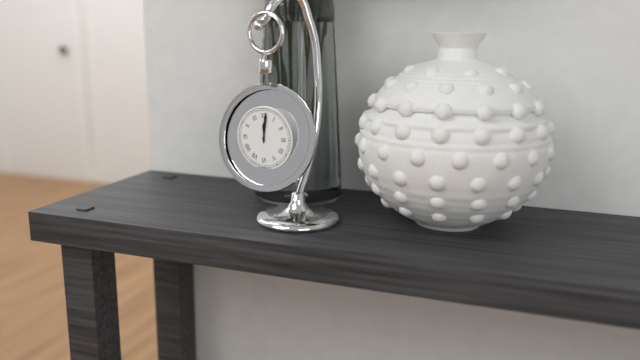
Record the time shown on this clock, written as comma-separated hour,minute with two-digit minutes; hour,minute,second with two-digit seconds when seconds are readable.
12,01
